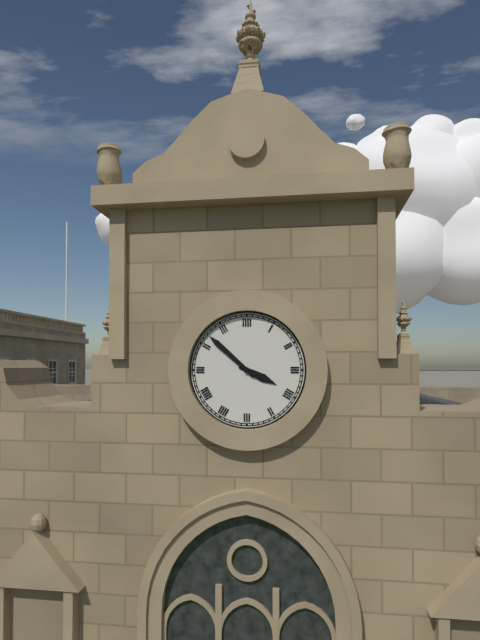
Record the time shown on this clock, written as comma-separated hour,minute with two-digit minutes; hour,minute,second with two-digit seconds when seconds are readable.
3,52
